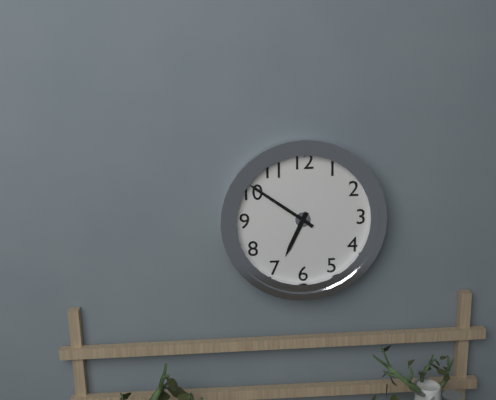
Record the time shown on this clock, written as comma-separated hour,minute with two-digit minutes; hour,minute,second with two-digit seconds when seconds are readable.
6,51
